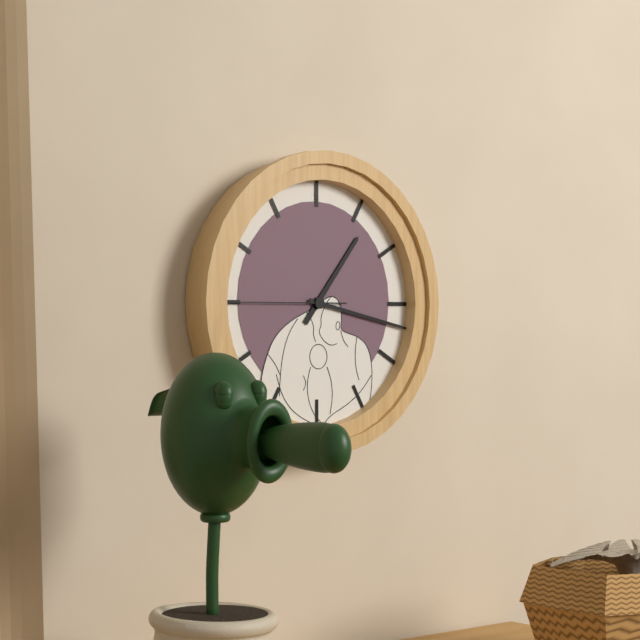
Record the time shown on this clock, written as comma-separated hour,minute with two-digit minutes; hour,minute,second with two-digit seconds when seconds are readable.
1,17,45
